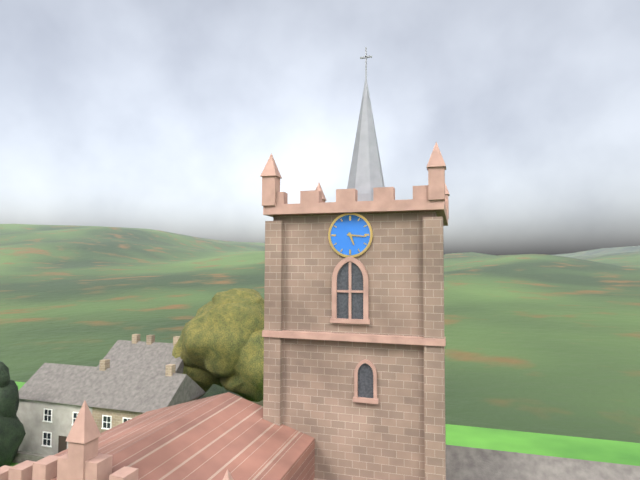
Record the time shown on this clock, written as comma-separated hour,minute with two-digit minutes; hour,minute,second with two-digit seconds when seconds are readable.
5,16
